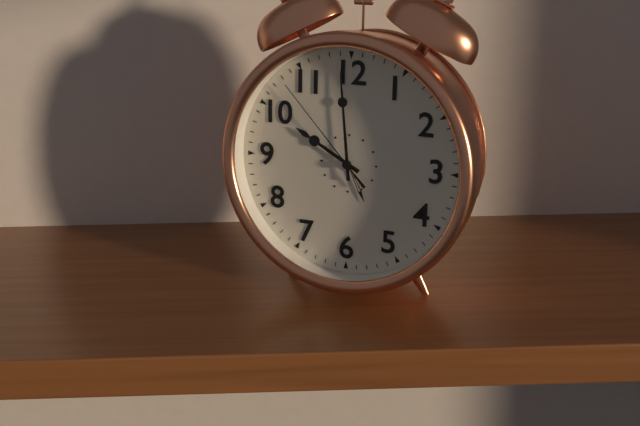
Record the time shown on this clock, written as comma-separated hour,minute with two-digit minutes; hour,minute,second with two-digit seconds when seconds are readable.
9,59,53
